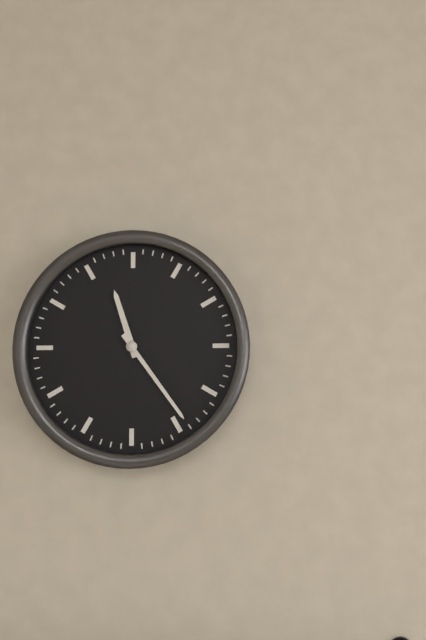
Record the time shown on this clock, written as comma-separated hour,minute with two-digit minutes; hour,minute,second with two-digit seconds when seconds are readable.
11,24
